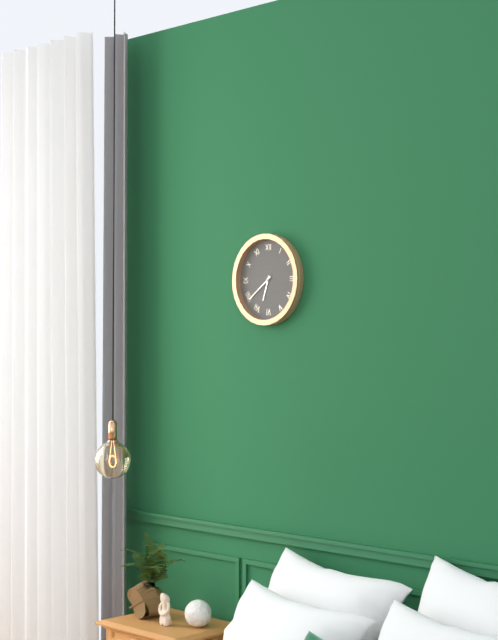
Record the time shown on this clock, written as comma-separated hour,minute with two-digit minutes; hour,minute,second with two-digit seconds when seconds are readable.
6,39
